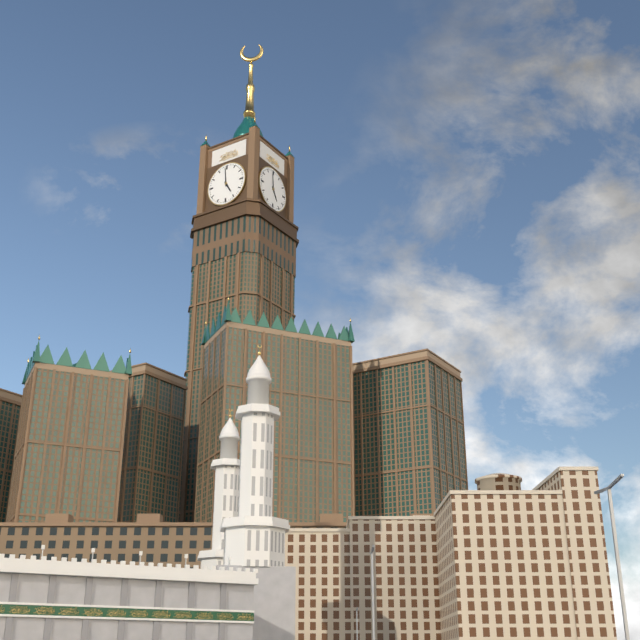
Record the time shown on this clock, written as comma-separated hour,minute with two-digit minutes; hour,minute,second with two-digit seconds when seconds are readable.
4,59
